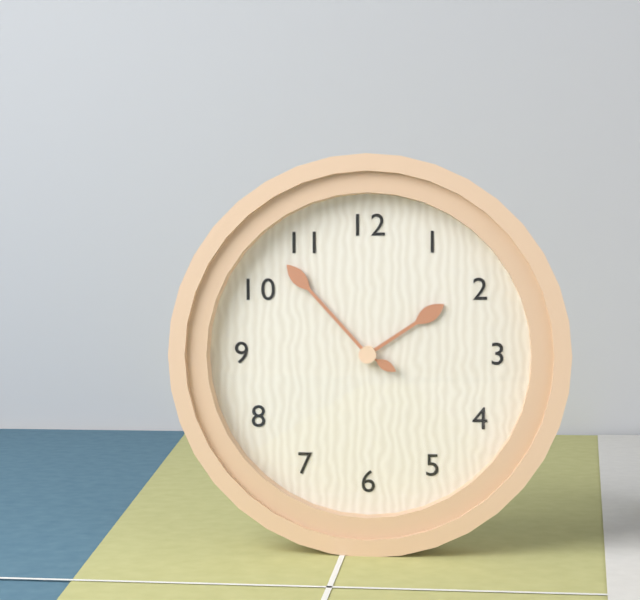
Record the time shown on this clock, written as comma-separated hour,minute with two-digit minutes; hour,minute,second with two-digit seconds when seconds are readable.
1,53
